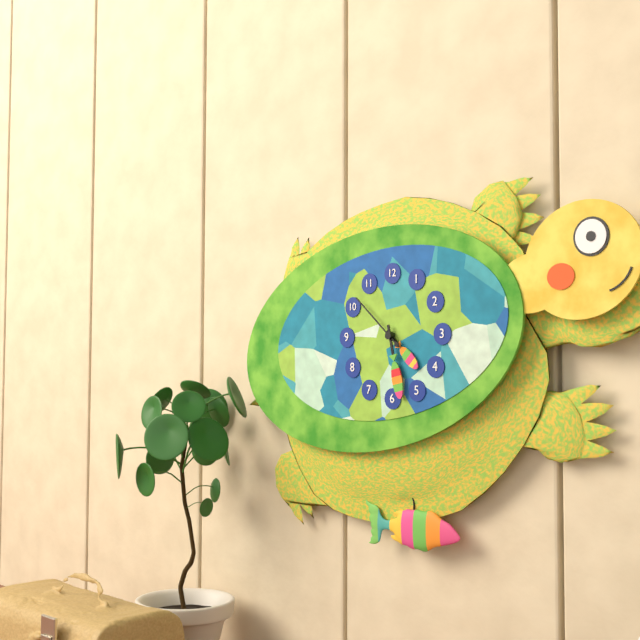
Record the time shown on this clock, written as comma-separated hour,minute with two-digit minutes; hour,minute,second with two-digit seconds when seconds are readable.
4,28,52
